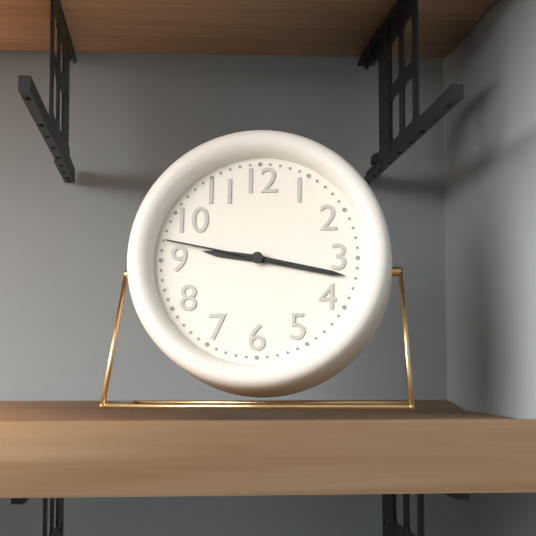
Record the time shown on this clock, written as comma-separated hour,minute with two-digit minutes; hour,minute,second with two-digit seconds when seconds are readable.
9,17,47
